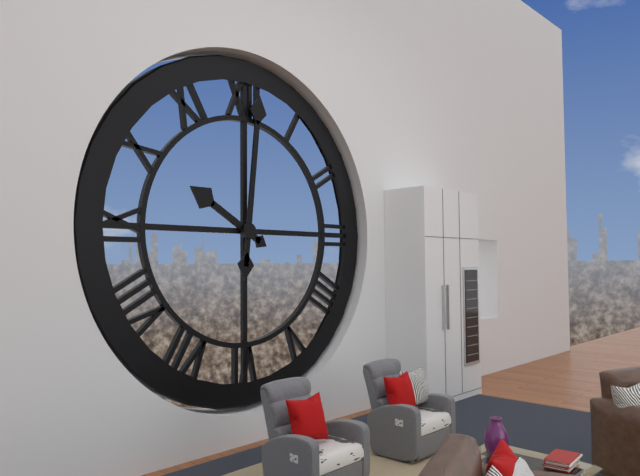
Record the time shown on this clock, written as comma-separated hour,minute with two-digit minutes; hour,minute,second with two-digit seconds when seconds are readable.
10,01
